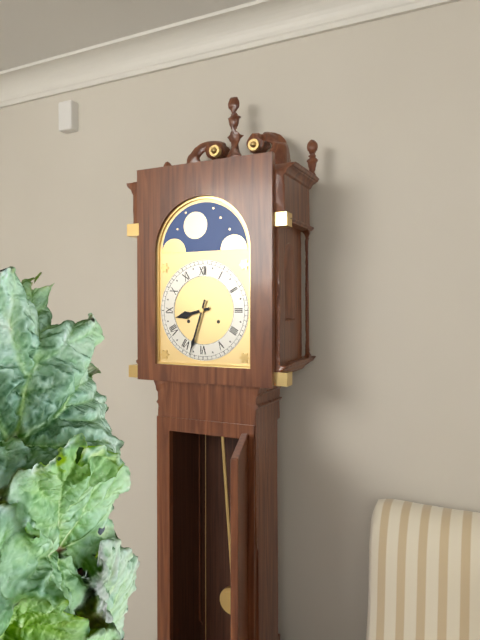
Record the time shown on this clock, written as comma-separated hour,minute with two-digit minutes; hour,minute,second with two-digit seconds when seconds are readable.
8,33
